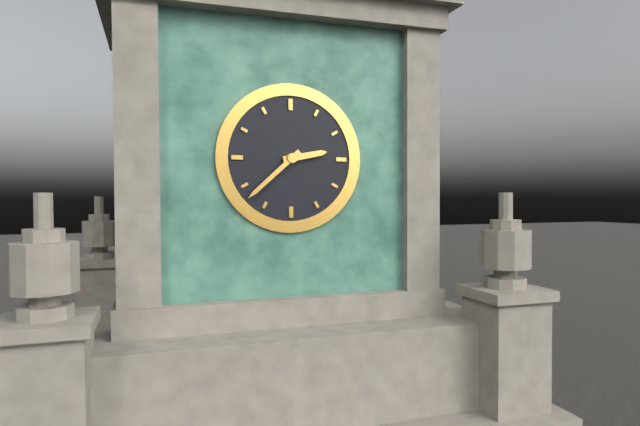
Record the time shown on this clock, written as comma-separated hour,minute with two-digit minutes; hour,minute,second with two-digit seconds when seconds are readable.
2,38
